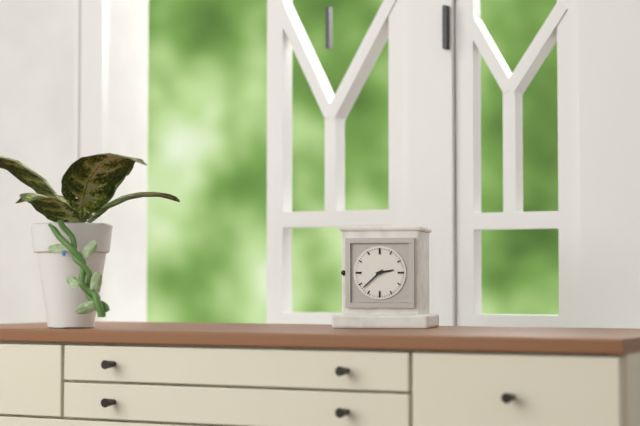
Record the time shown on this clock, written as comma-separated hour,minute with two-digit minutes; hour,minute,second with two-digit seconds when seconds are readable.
2,38
